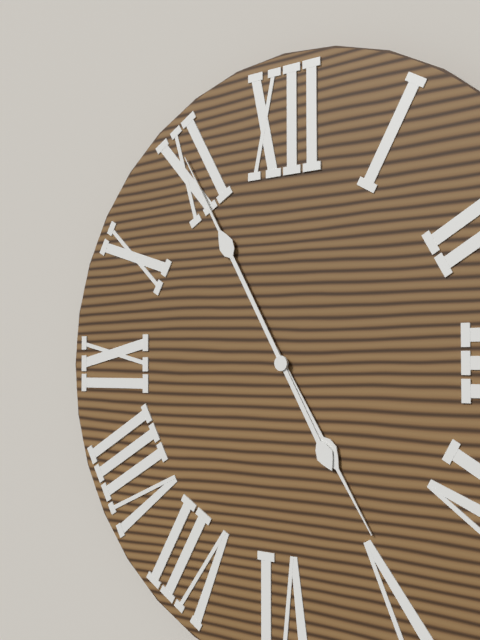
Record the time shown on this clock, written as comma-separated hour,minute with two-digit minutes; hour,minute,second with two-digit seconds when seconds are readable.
4,55
